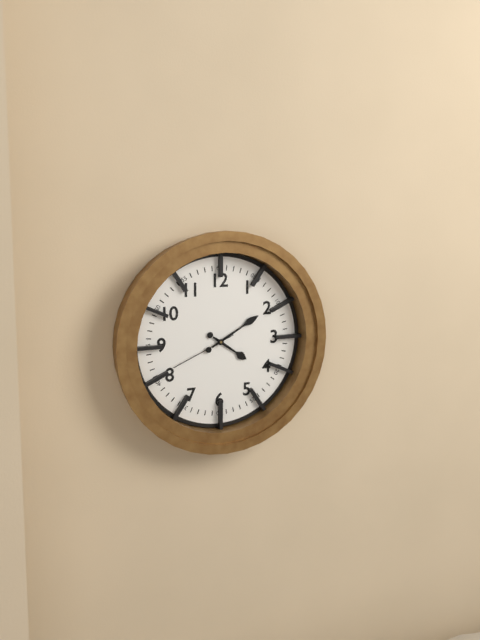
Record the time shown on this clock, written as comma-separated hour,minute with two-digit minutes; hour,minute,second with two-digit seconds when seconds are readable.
4,10,41
